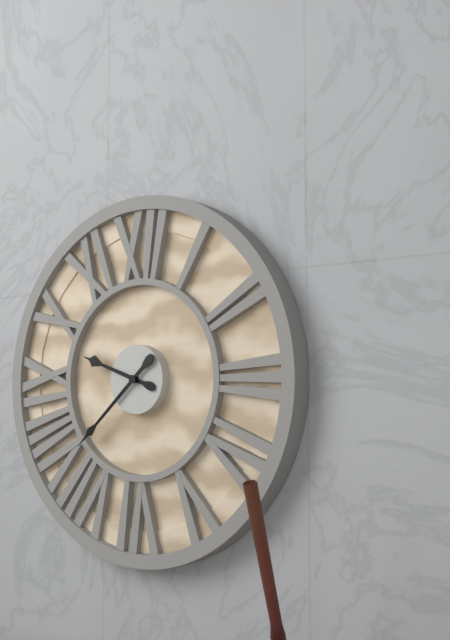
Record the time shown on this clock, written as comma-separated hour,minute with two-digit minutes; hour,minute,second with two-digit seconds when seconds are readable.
9,38
